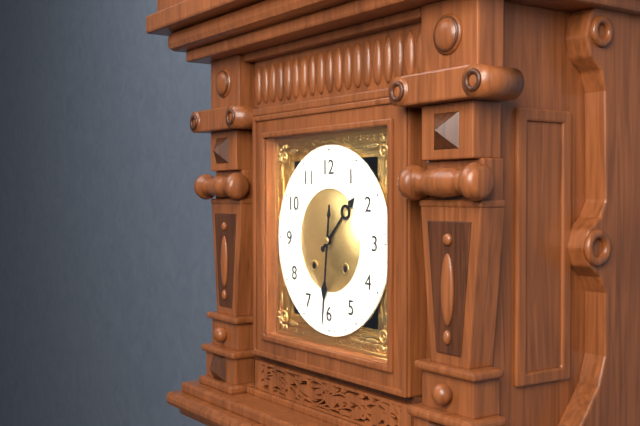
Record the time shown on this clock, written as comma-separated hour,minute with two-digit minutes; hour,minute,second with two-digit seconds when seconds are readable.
1,31
